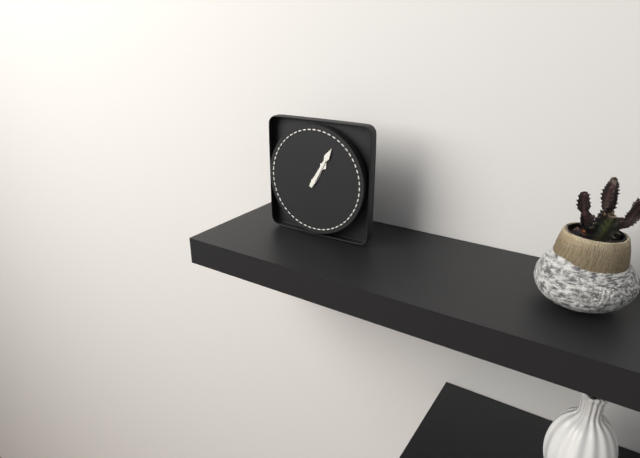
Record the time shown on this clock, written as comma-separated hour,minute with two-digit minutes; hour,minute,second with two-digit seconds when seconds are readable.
1,05
